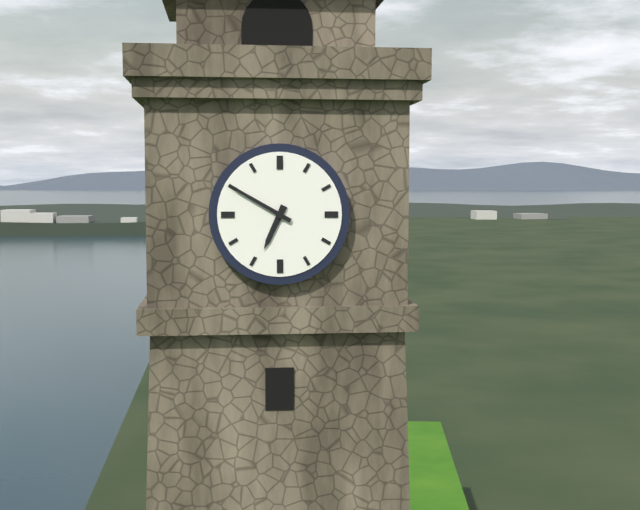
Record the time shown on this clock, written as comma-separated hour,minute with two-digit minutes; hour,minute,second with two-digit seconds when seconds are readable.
6,50
